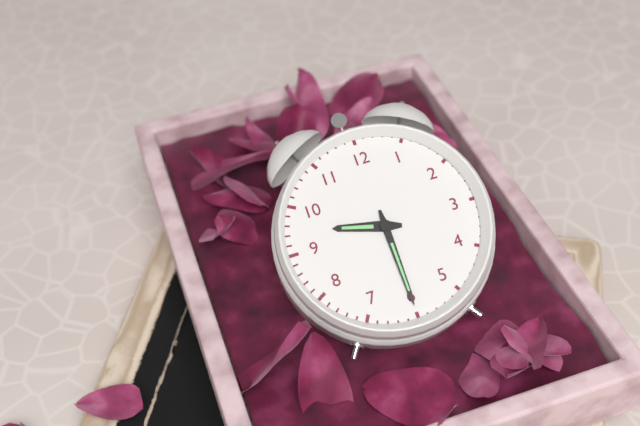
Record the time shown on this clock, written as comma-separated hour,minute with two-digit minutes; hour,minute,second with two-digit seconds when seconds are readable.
9,30
